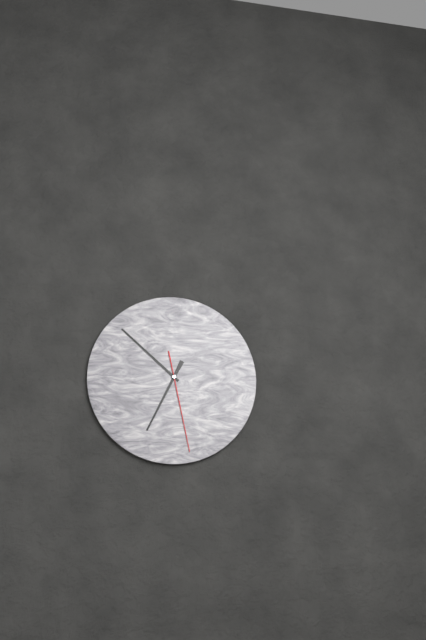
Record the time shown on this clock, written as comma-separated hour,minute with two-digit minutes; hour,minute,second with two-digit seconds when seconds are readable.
6,52,28
